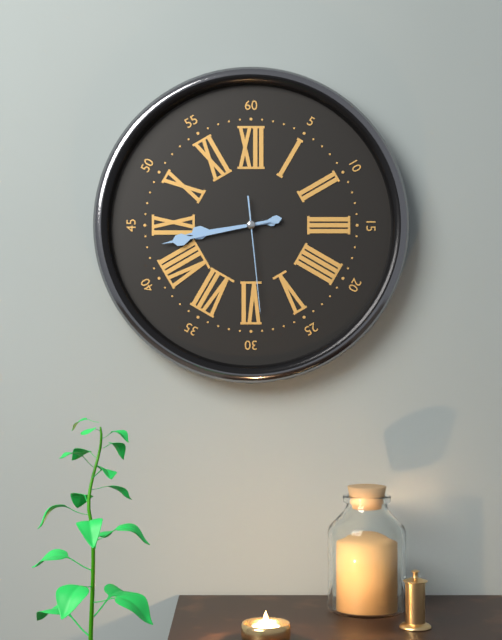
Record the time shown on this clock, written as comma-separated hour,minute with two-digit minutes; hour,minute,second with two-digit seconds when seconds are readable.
8,43,29
